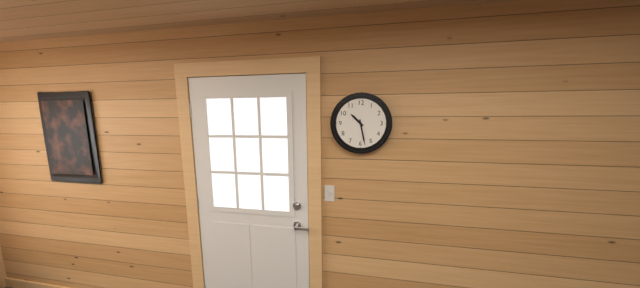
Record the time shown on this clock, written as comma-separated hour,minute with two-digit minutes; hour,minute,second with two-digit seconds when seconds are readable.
10,28
